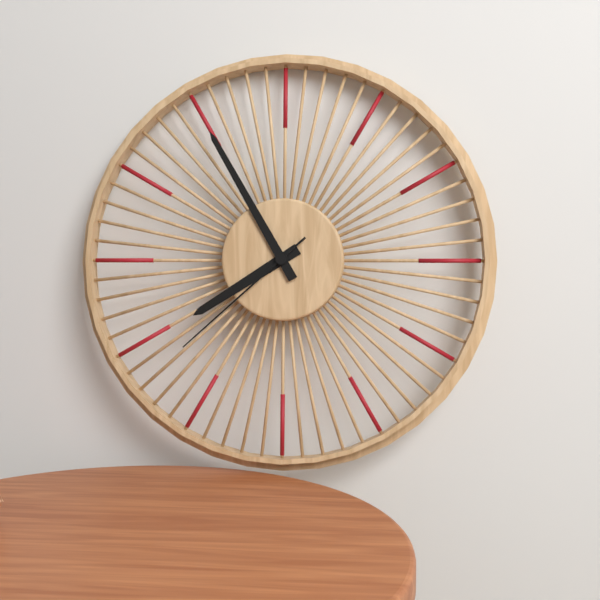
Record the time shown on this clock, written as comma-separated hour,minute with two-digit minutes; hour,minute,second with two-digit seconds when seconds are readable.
7,55,38
